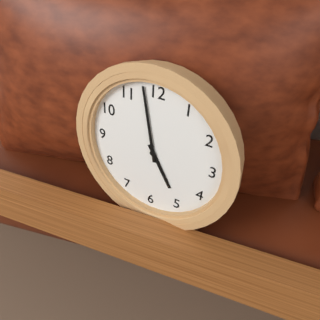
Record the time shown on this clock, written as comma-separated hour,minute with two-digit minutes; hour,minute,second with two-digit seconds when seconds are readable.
4,58
